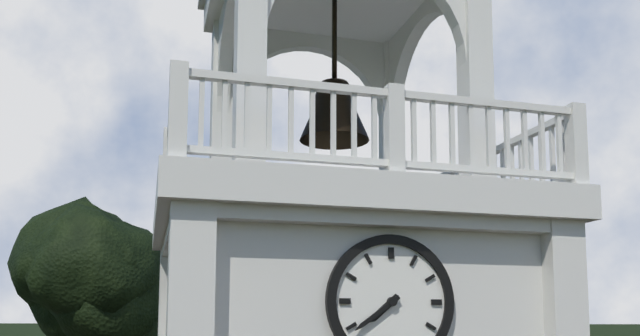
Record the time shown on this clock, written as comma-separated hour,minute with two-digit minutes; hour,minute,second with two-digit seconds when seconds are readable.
7,39
